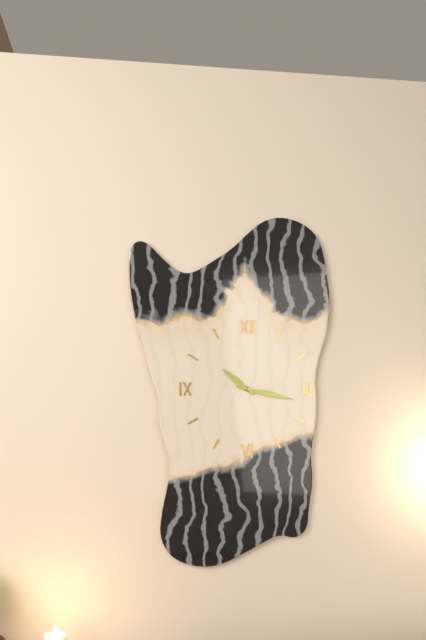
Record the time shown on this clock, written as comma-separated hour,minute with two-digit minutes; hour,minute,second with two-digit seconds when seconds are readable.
10,17
